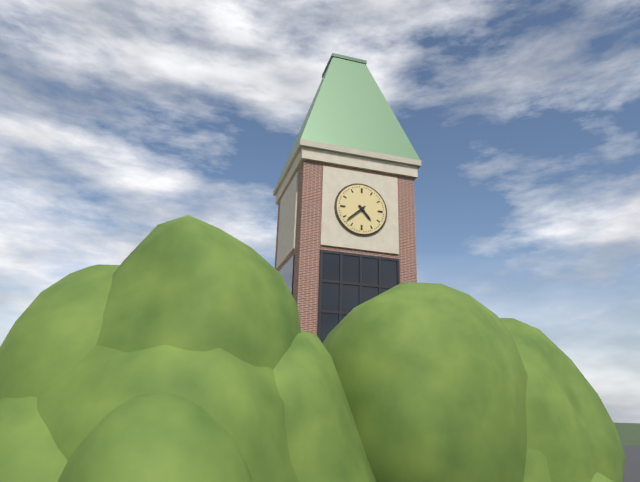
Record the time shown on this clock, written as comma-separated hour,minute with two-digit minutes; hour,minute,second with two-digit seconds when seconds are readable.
4,38
